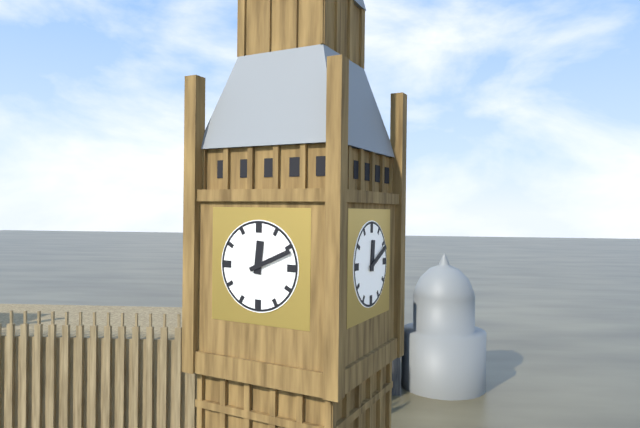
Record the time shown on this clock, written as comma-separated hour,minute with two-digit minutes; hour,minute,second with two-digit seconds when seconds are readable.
12,11
